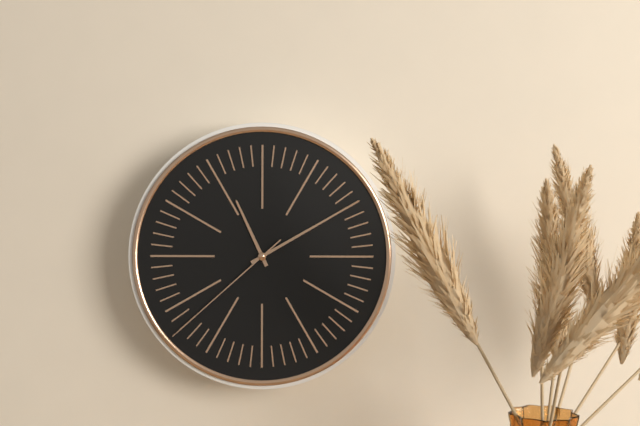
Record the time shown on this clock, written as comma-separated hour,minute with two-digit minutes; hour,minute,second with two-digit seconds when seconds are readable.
11,10,38
